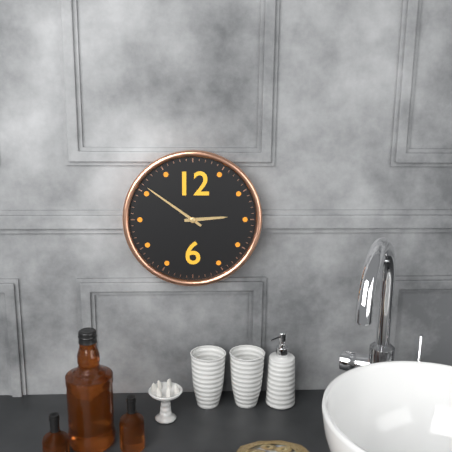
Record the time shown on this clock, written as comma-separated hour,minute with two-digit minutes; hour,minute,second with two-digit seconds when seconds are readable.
2,51
